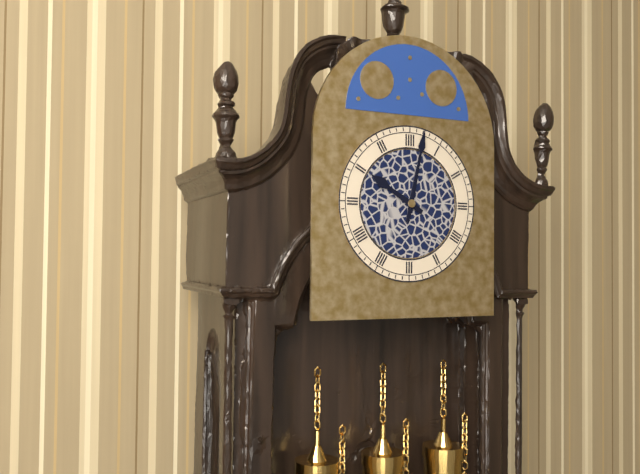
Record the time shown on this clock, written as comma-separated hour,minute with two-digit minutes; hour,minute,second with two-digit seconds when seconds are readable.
10,02
